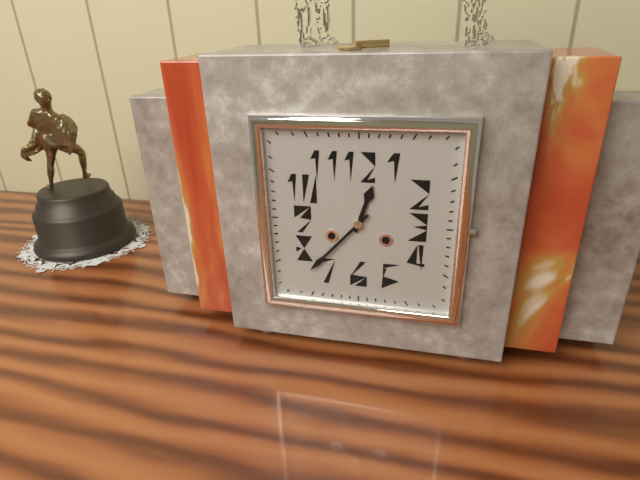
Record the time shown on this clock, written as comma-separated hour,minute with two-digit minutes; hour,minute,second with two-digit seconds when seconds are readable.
12,37
